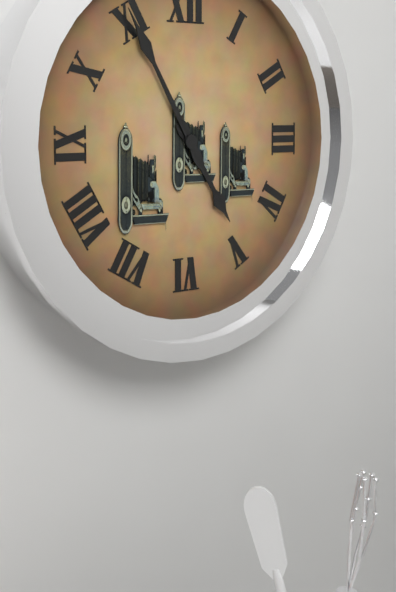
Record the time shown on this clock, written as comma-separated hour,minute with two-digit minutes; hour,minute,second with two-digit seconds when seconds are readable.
4,55
